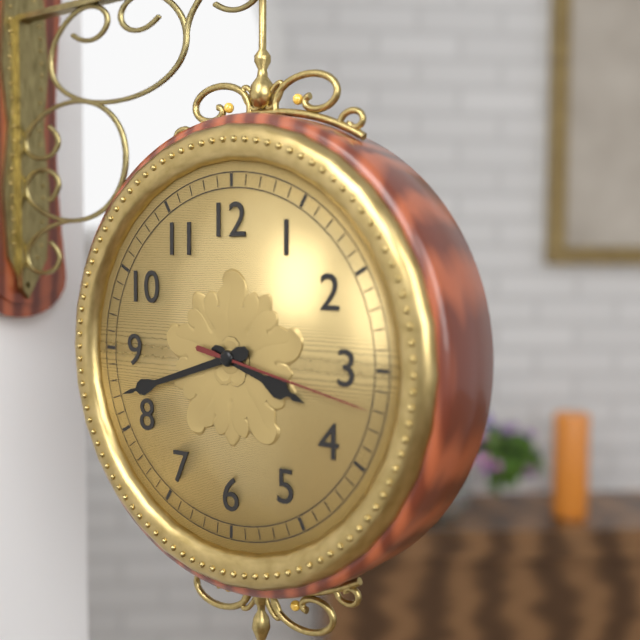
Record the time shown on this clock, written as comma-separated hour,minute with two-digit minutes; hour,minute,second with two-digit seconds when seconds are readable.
3,42,17
